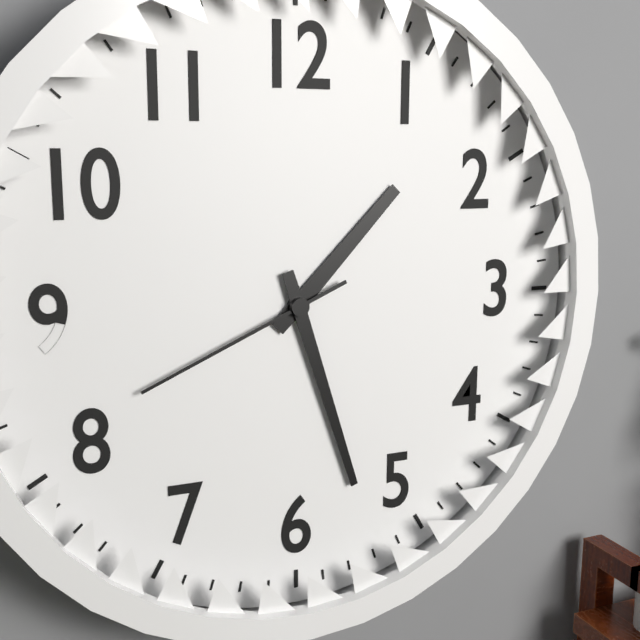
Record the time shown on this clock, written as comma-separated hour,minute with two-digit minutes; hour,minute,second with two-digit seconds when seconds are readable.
1,27,41
